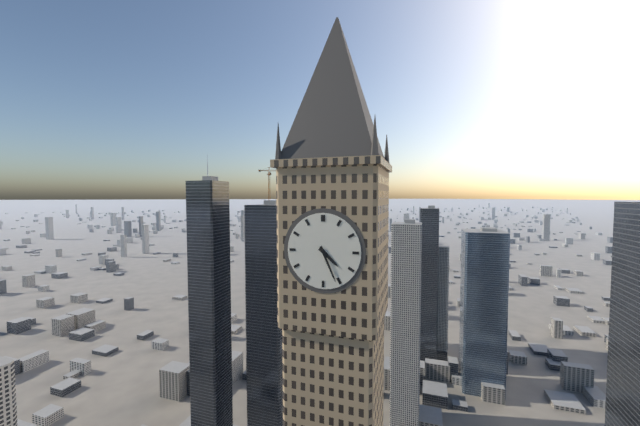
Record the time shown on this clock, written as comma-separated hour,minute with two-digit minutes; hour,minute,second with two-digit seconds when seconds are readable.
4,26
